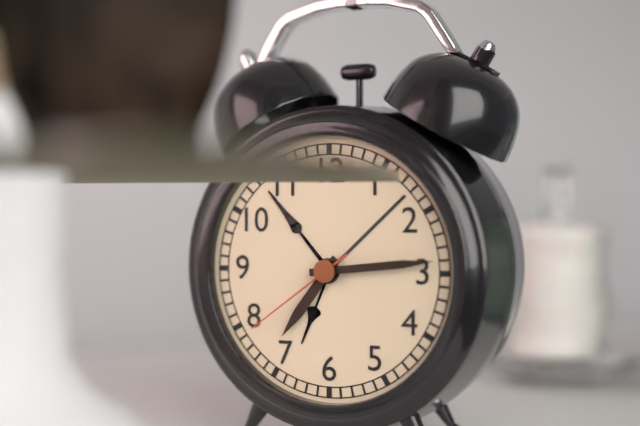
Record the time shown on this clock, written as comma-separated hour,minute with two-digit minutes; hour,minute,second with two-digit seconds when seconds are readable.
7,14,39
